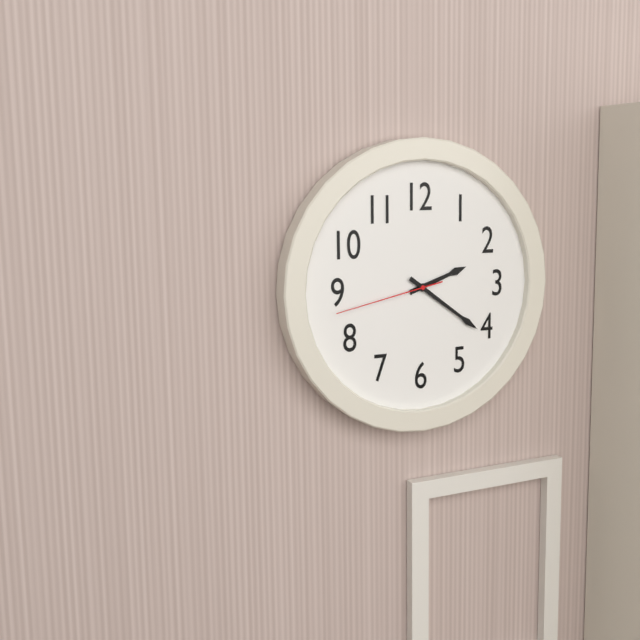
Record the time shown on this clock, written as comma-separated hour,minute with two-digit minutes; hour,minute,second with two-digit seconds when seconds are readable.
2,21,43
